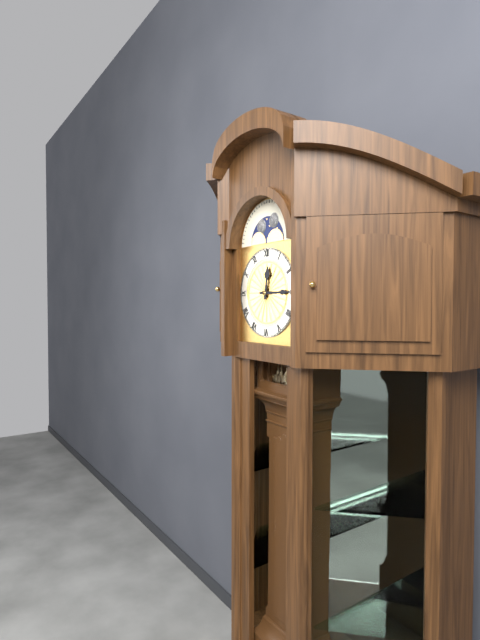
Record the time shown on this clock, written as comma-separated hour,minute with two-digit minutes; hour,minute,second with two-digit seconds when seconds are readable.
12,15
